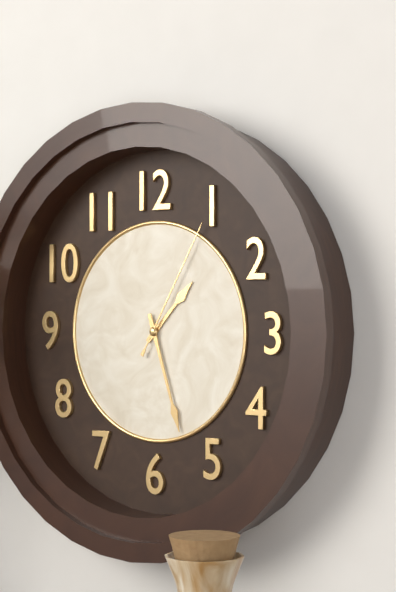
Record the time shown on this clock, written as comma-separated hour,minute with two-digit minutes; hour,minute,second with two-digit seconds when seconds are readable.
1,27,05
